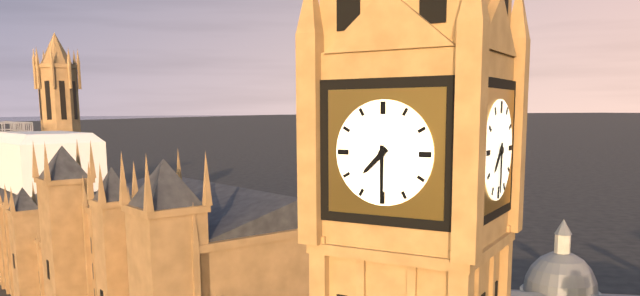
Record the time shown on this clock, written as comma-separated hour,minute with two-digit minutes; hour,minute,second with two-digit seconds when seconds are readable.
7,30
